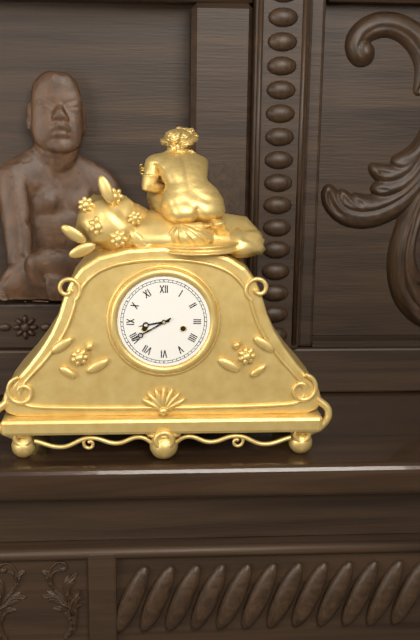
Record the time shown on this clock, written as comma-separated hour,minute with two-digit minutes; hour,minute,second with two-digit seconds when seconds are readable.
8,40
